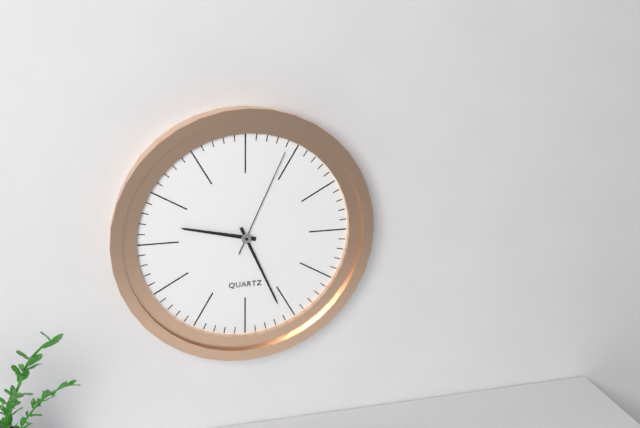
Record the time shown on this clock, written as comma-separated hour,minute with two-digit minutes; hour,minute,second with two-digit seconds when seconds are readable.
9,26,04
